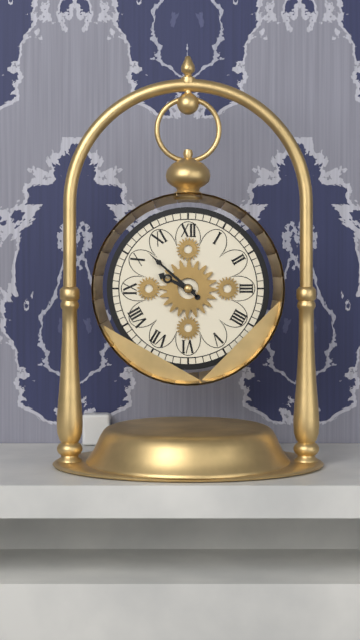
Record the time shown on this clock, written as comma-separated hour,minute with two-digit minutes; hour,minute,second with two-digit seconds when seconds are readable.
9,52
